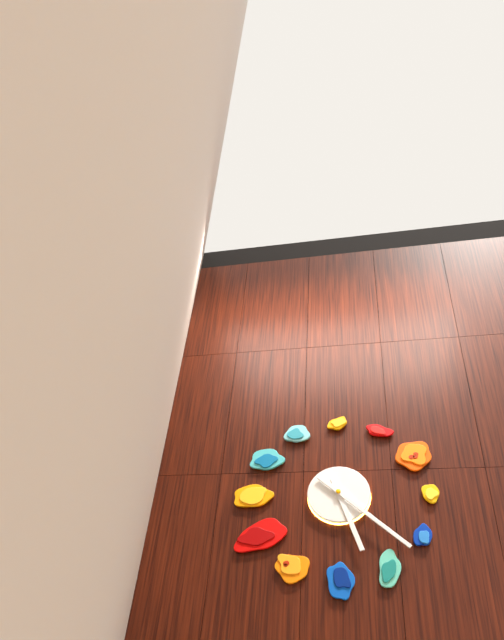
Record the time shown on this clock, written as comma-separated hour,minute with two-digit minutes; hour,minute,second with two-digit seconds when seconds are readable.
5,22
